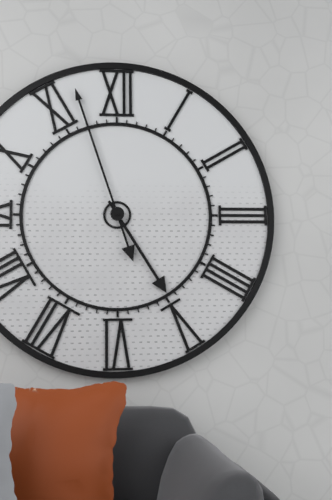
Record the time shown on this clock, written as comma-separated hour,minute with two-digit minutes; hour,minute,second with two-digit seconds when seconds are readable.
4,57
